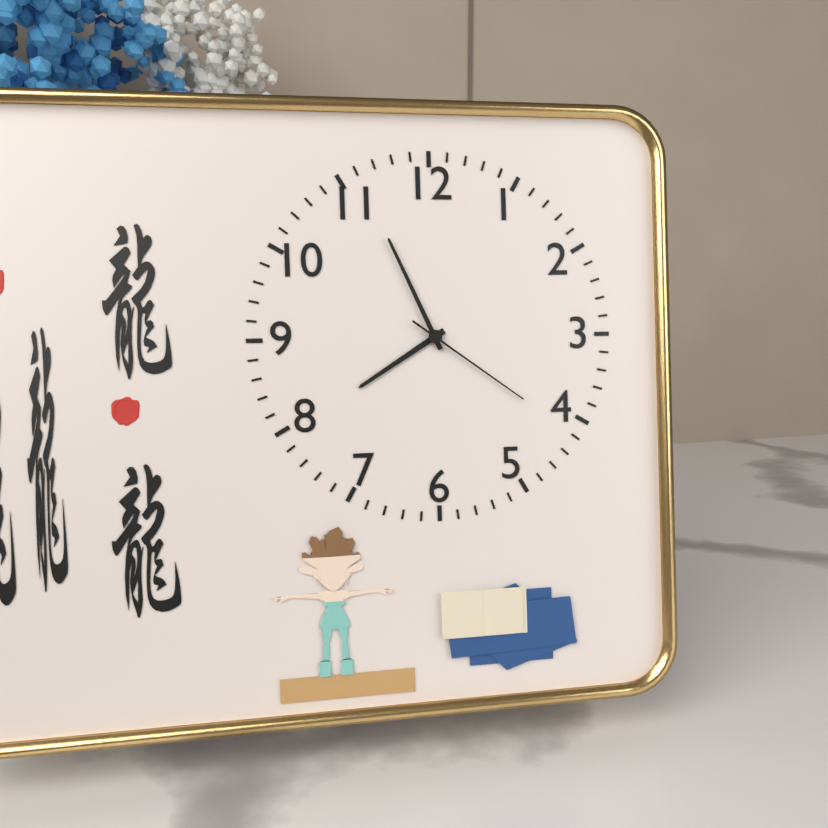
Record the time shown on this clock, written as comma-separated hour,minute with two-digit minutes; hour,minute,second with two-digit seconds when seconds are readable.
7,56,21
